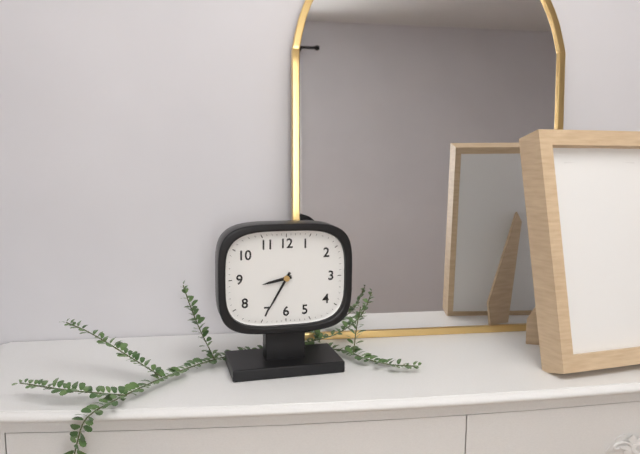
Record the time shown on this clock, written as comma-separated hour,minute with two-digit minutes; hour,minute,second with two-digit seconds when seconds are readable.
8,35
